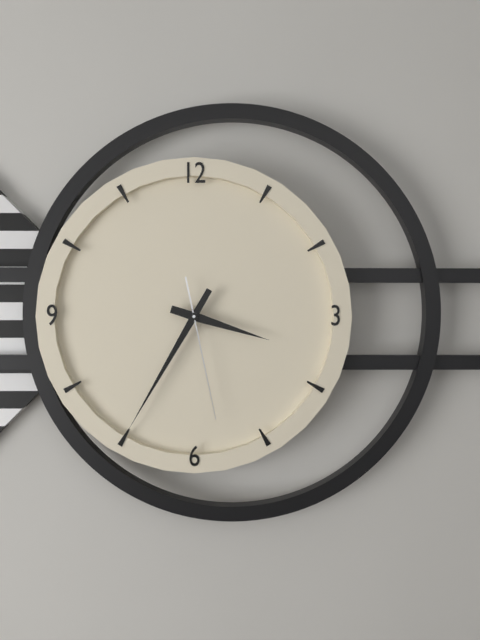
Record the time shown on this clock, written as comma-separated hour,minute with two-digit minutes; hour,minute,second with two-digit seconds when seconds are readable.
3,35,28
